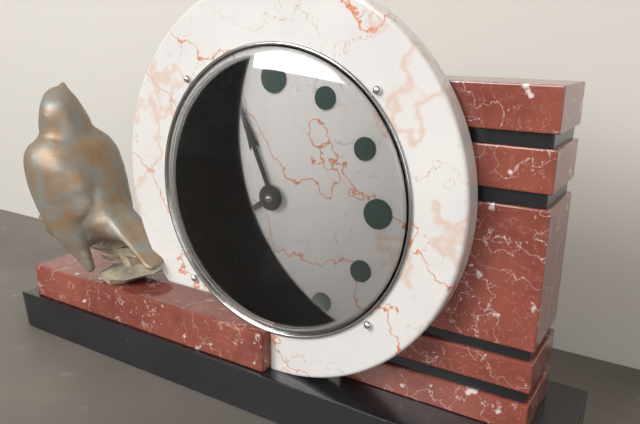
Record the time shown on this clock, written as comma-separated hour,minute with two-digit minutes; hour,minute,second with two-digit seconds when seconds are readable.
7,56
